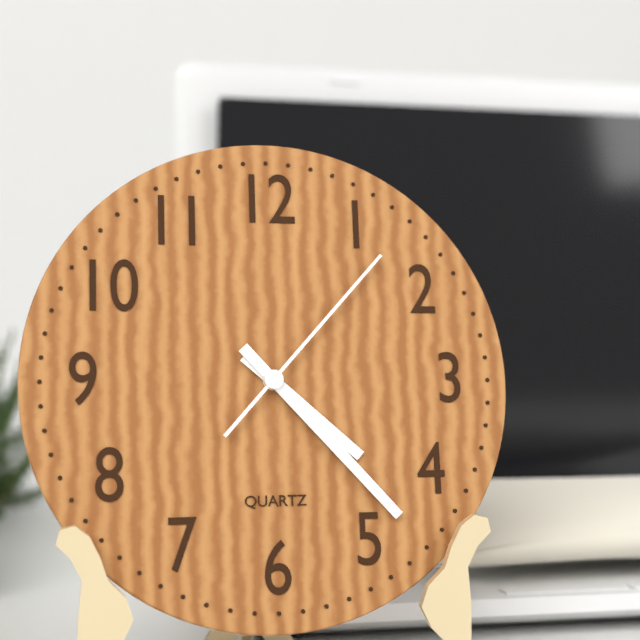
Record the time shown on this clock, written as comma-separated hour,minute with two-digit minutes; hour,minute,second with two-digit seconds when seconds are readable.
4,23,07
